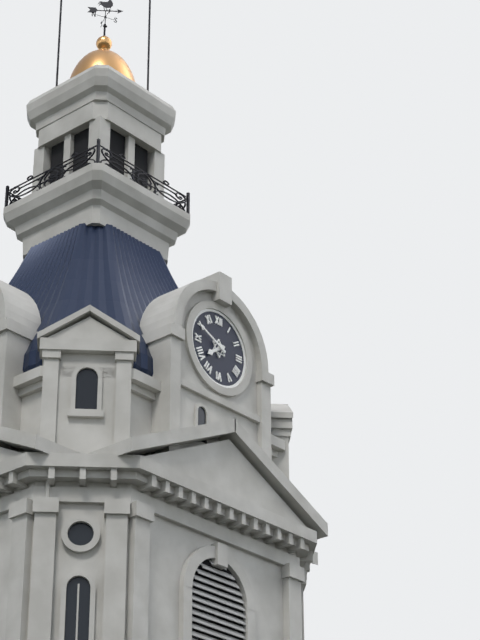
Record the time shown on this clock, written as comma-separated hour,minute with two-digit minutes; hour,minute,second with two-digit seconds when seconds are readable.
7,49
